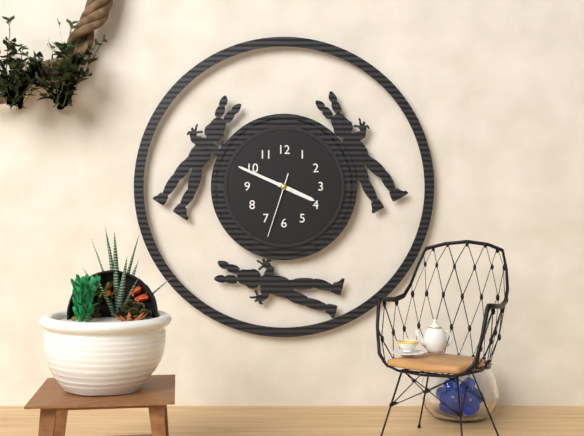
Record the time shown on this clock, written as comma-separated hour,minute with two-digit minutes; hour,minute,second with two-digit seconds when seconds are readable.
3,49,33
